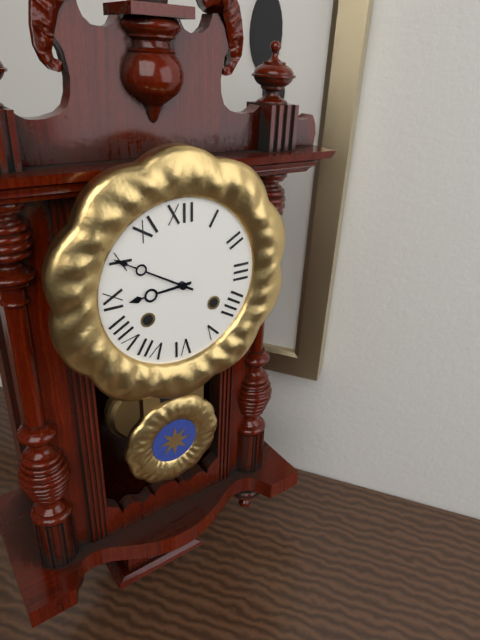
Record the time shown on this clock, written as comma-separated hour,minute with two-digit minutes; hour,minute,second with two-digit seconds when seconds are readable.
8,50
